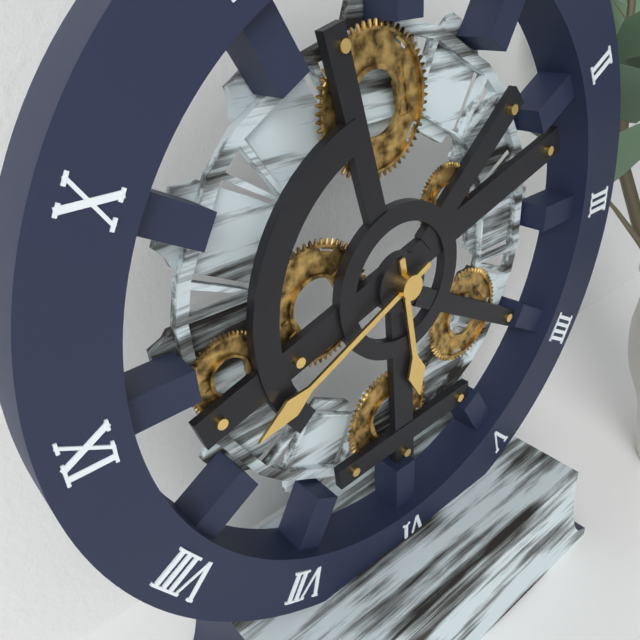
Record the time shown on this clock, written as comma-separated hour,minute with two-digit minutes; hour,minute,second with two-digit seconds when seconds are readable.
5,41
